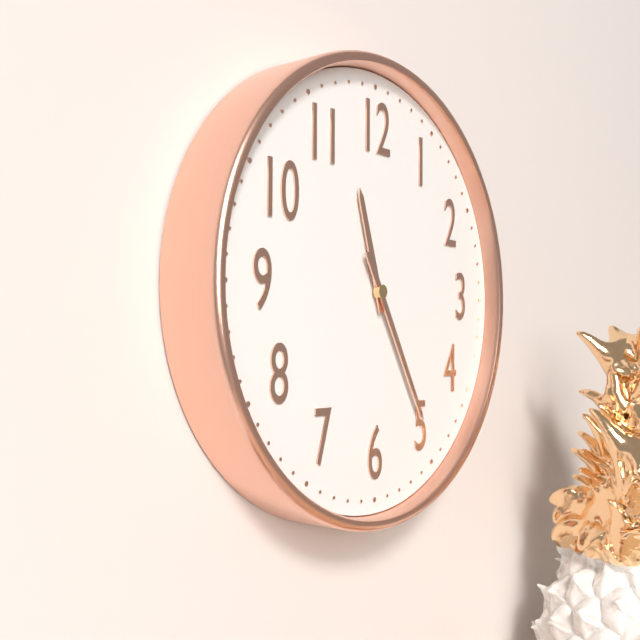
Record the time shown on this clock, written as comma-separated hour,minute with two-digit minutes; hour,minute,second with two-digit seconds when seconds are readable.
11,25
